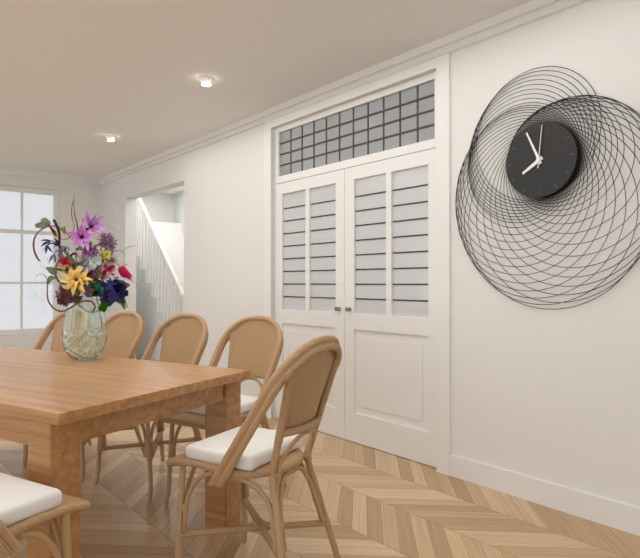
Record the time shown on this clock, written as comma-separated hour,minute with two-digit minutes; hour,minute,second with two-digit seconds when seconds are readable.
7,56
